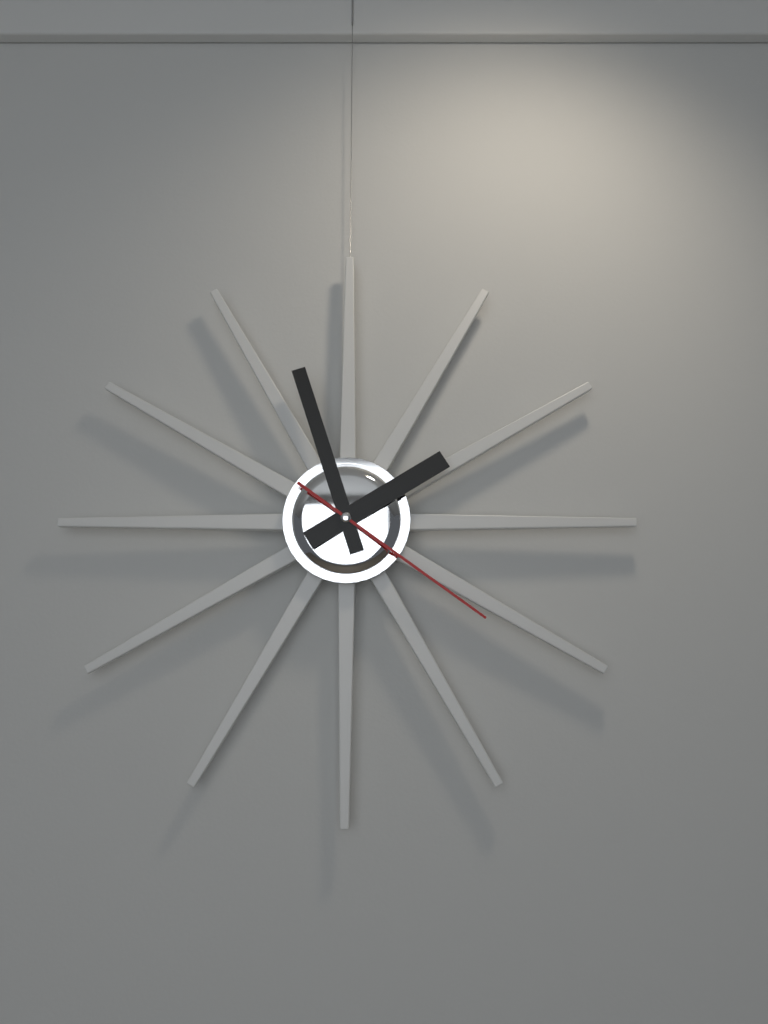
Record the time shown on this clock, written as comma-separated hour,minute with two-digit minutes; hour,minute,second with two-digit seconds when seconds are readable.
1,57,21
